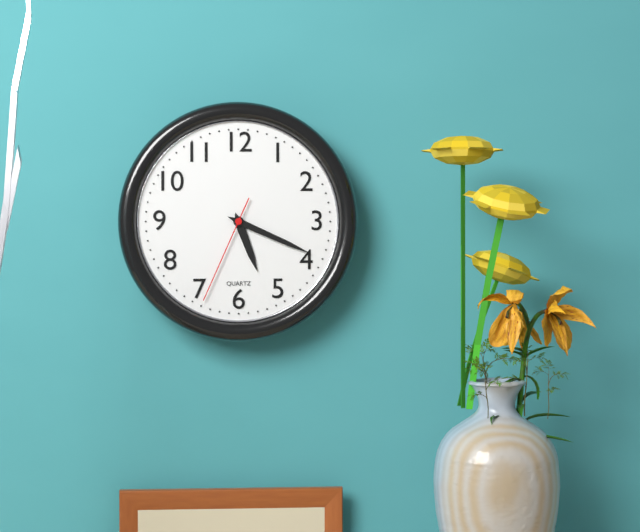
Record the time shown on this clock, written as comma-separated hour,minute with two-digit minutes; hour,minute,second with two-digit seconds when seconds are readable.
5,19,34
